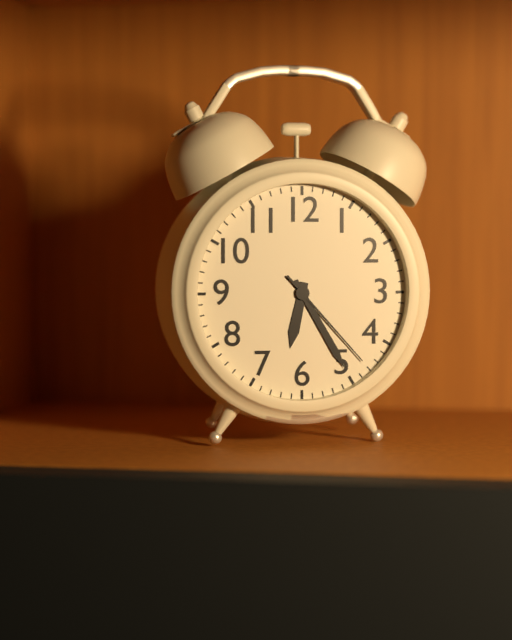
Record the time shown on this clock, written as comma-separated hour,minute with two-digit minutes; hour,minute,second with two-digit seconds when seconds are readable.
6,25,23
